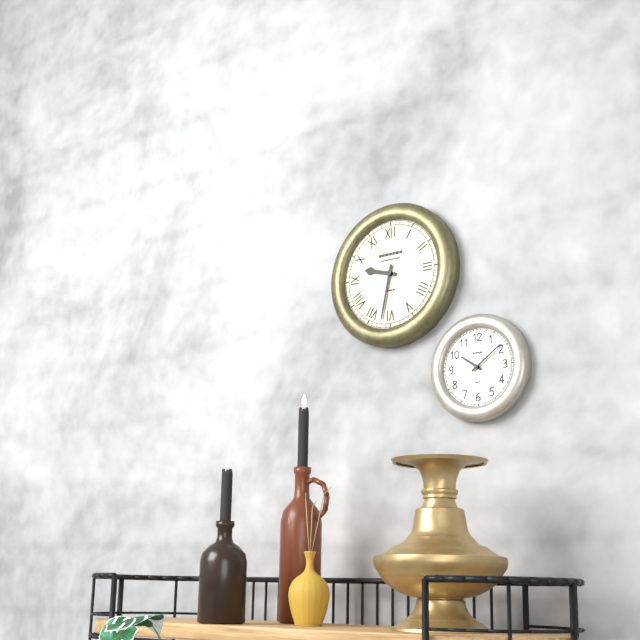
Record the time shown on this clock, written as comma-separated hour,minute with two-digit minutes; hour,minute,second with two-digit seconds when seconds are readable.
9,32
